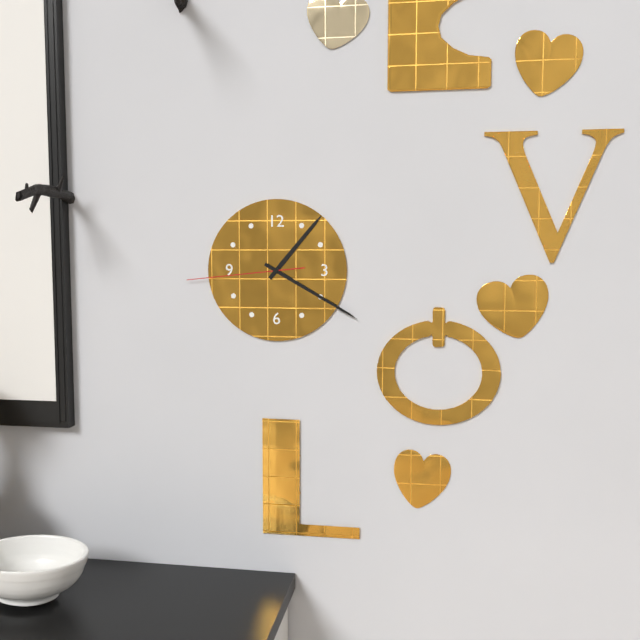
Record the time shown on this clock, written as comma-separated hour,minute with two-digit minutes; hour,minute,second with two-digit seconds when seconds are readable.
1,20,44
